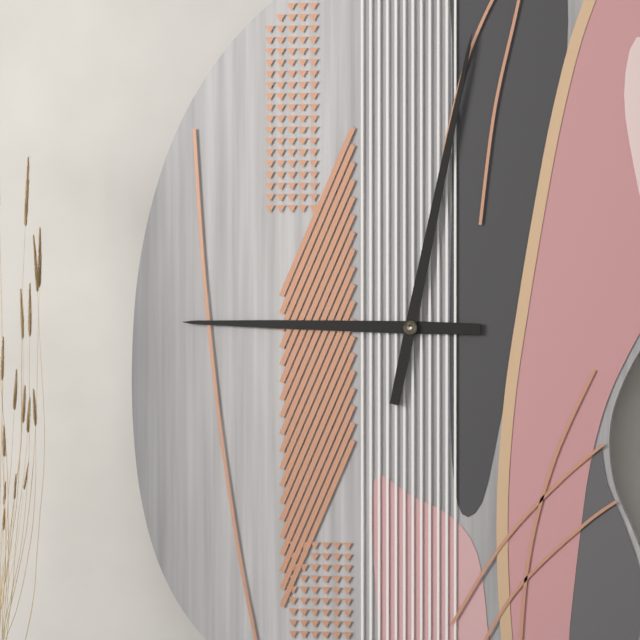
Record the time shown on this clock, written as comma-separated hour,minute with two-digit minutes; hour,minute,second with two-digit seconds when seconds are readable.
9,02
